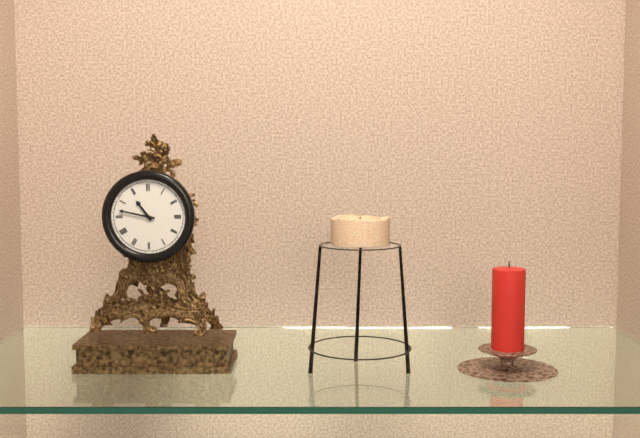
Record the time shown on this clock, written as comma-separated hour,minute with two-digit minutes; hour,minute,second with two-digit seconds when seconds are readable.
10,47
